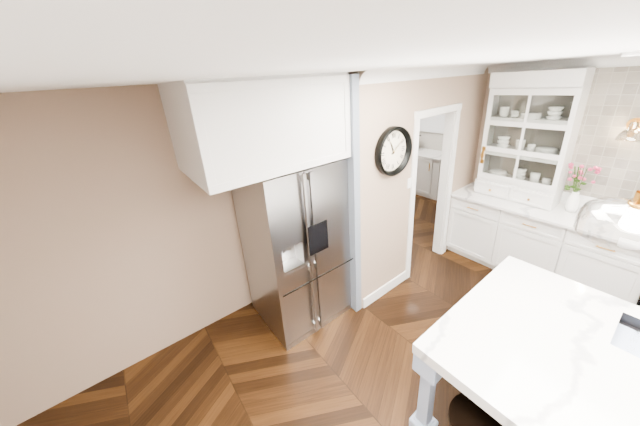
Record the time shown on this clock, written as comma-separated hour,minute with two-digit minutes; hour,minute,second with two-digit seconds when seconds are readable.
11,09
